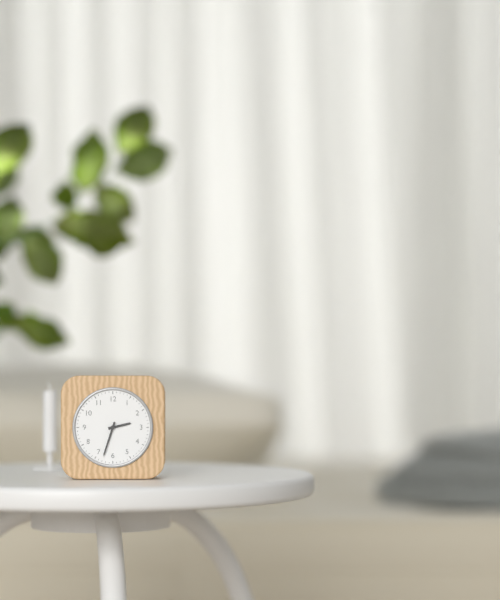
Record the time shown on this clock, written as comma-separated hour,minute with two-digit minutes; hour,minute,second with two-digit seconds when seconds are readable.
2,33
